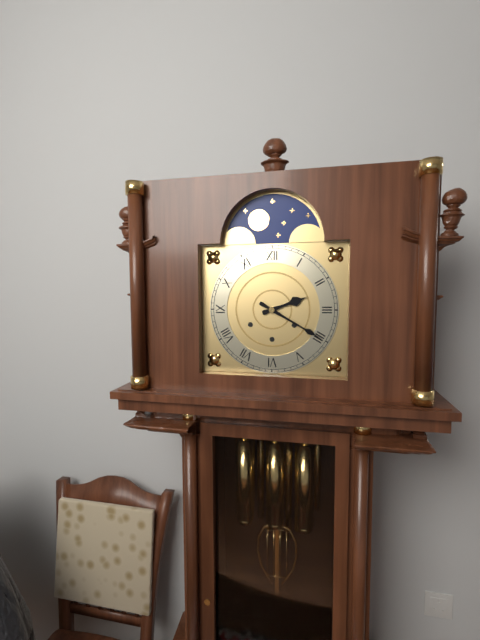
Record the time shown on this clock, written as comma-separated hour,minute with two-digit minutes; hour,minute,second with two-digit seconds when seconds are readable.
2,20
